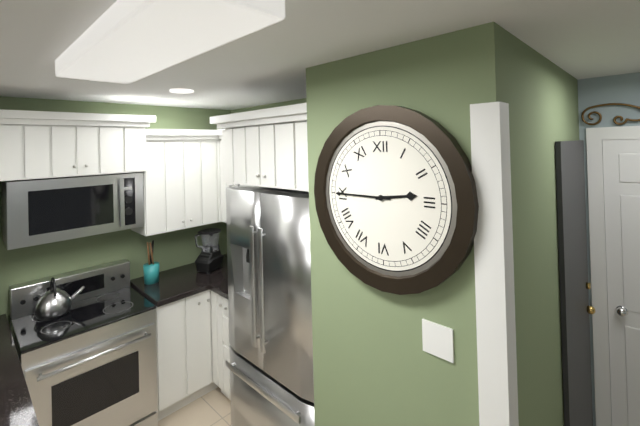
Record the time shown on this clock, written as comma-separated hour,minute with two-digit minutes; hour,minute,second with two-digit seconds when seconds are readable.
2,45
